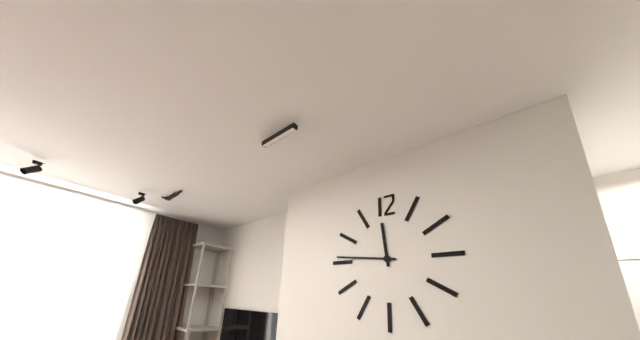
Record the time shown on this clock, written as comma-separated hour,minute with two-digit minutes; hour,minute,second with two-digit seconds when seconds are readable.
11,46
